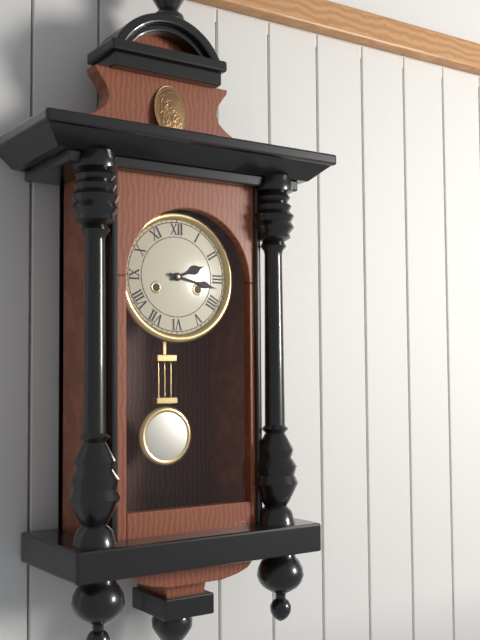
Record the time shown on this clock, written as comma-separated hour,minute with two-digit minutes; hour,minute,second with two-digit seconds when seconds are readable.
2,17
